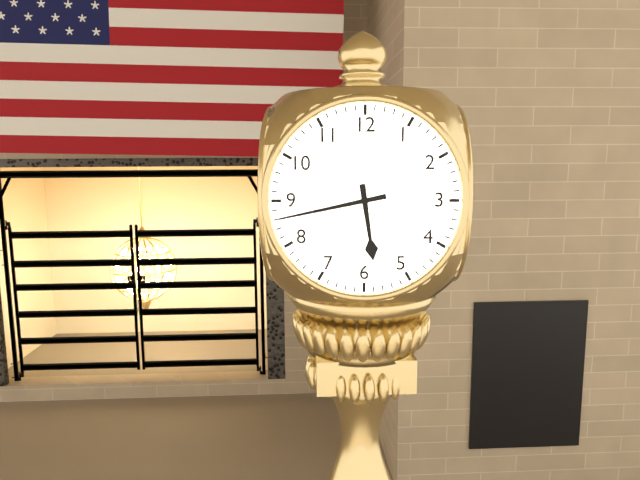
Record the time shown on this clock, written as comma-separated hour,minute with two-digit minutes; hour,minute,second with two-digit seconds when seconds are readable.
5,43
